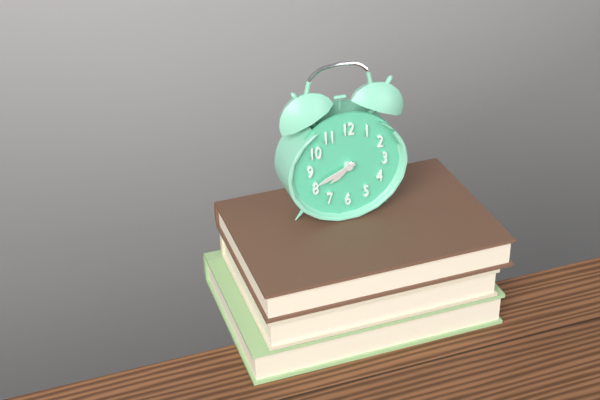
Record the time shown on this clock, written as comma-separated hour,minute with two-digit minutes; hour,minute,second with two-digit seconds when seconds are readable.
7,41
